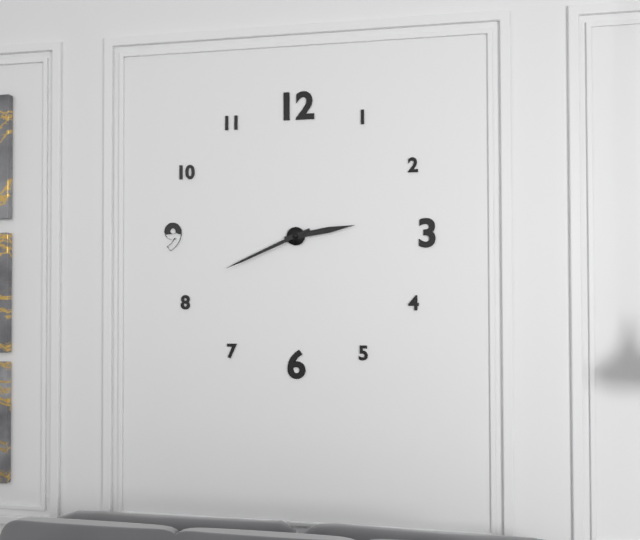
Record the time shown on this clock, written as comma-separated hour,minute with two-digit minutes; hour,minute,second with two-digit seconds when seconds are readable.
2,41
